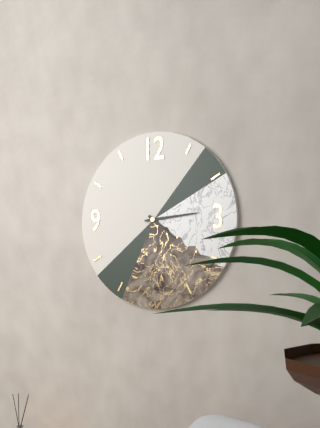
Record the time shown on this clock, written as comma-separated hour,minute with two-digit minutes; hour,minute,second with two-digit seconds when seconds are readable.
4,14
